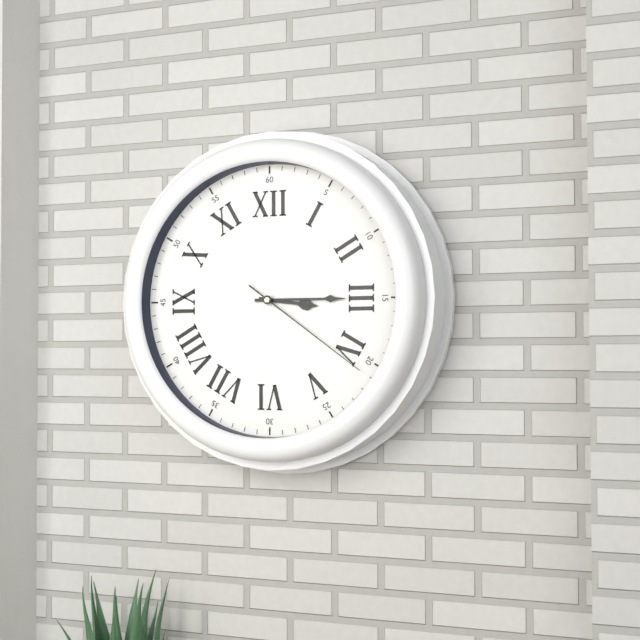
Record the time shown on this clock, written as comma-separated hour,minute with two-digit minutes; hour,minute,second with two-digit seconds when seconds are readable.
3,15,21
